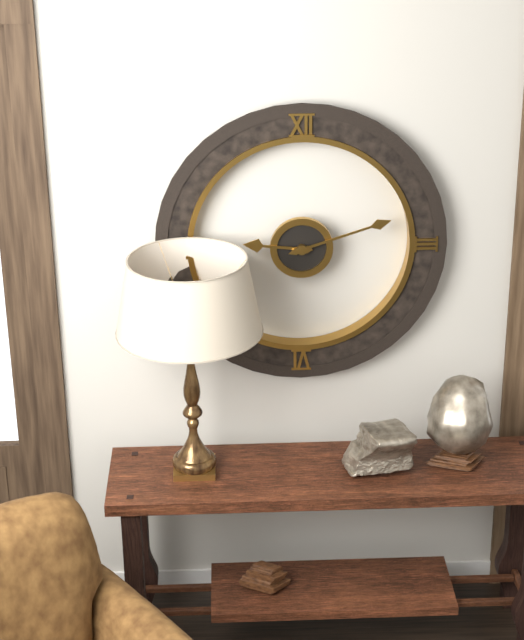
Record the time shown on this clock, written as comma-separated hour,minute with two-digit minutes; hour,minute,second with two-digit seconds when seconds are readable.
9,12
